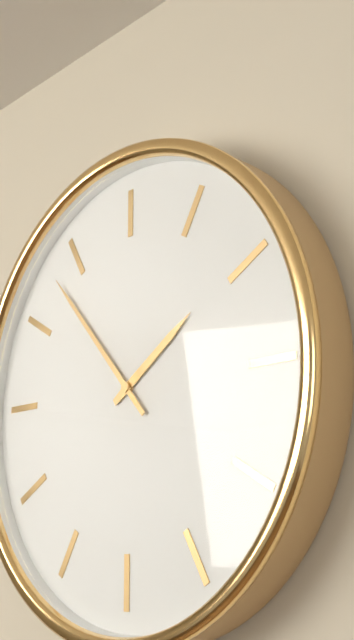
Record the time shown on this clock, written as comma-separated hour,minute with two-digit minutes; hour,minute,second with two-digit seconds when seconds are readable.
1,53
